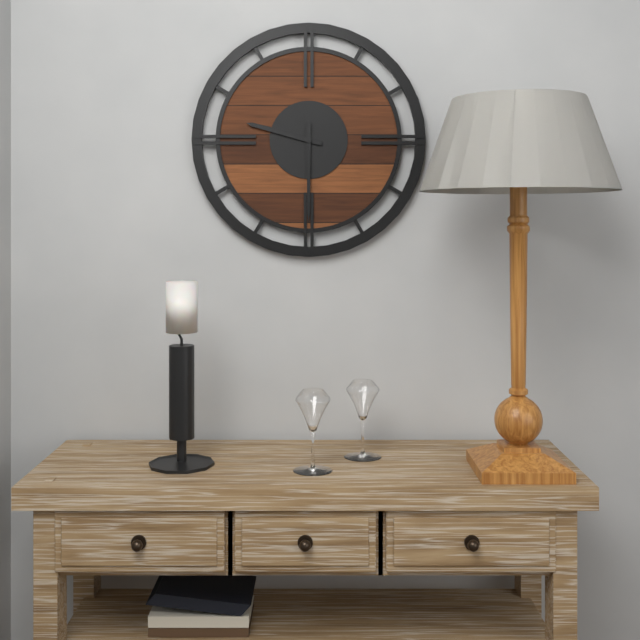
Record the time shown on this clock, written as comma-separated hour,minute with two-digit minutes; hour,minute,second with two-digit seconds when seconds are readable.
9,30
